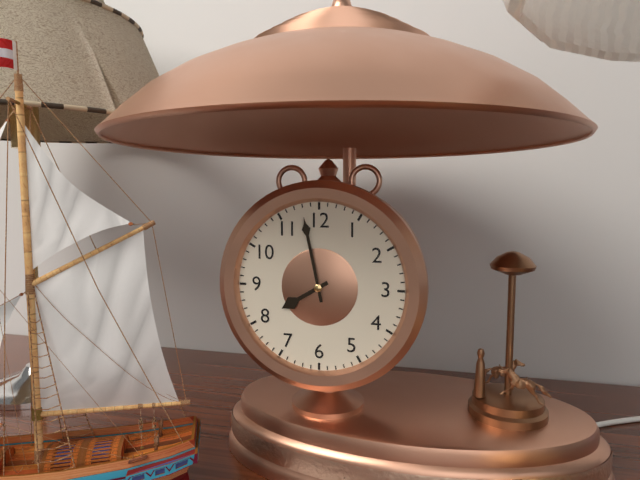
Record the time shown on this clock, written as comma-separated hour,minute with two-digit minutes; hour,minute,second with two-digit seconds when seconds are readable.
7,58
